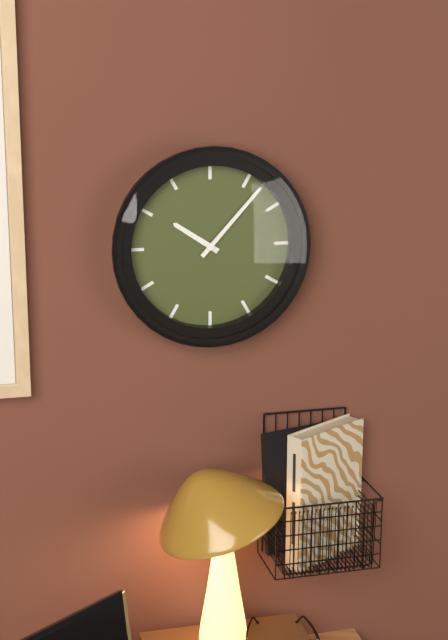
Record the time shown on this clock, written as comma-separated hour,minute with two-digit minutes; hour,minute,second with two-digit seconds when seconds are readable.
10,07
